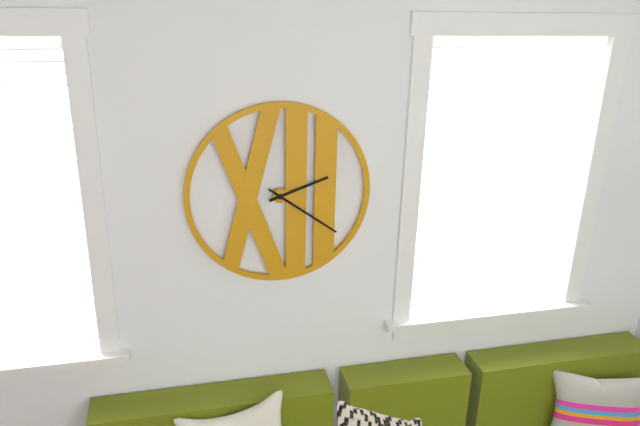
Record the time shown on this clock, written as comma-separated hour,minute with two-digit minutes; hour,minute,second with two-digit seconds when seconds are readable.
2,21
